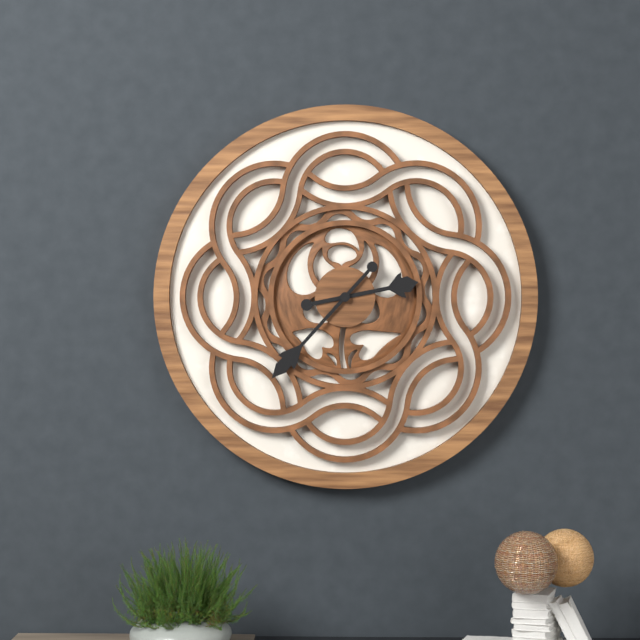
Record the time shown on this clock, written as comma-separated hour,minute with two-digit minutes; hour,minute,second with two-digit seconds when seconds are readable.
2,37
